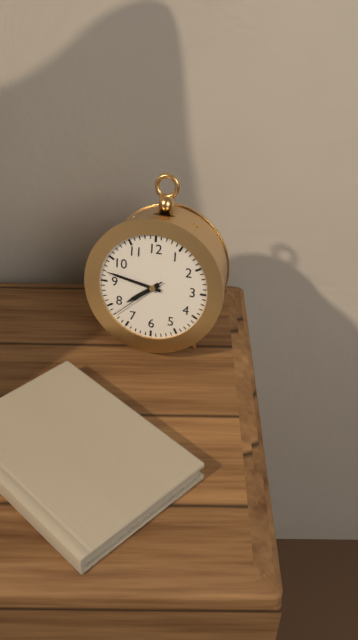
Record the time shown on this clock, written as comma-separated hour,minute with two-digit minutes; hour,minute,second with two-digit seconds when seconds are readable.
7,47,38
